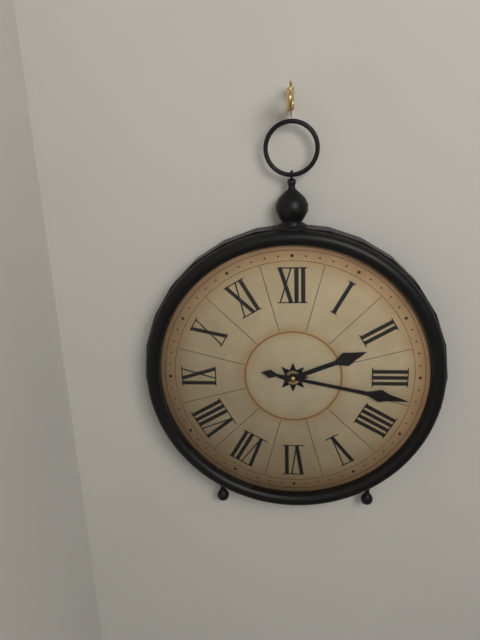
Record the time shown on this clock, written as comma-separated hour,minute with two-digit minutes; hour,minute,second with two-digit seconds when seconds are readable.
2,17
